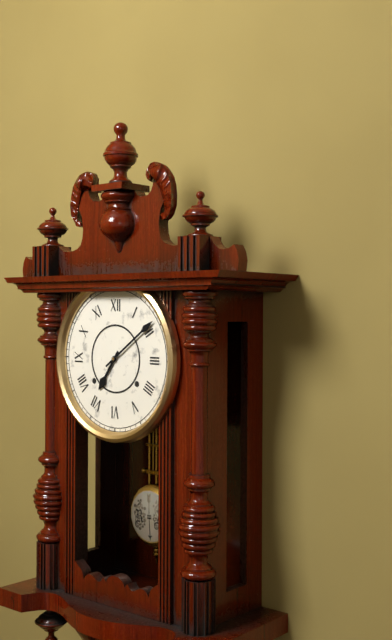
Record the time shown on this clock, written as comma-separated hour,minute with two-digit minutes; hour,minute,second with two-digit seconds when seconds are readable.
7,09
